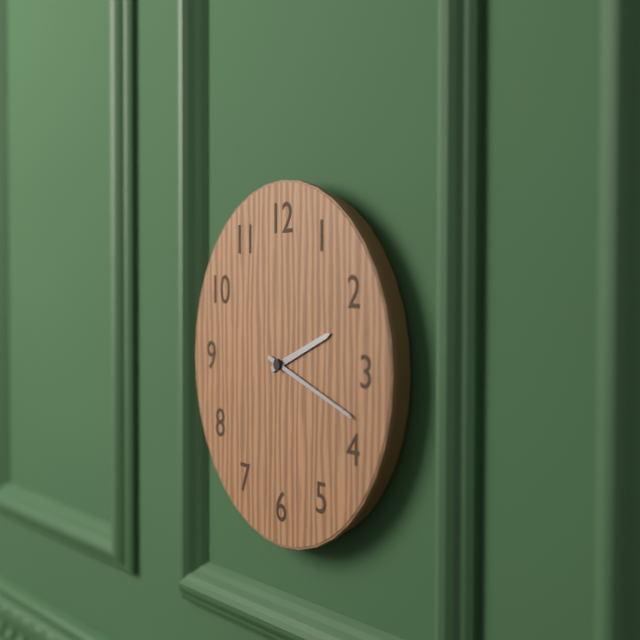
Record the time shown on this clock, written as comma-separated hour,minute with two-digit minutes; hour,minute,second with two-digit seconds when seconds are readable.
2,18
